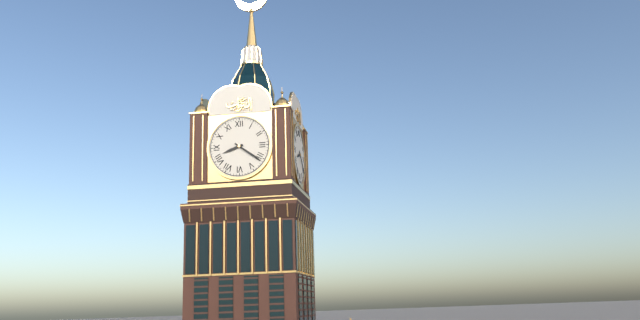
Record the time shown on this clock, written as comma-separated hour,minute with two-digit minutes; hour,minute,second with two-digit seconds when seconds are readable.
8,21
